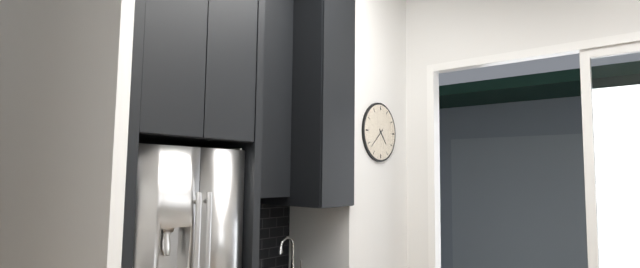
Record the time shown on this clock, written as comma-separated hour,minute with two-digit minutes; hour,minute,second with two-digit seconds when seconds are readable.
4,38
